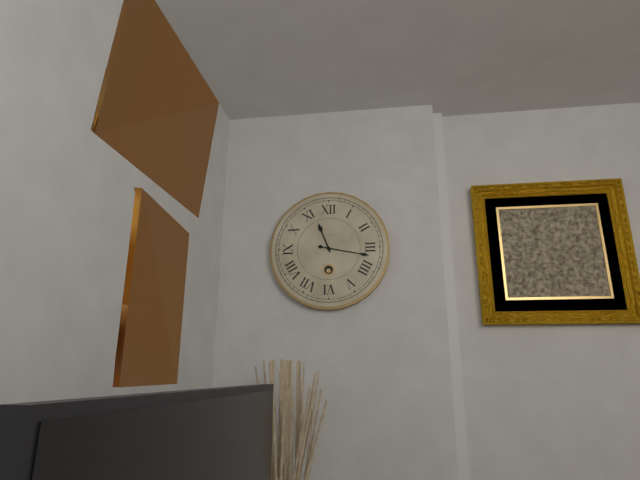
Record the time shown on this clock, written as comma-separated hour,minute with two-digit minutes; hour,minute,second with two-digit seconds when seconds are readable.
11,17
